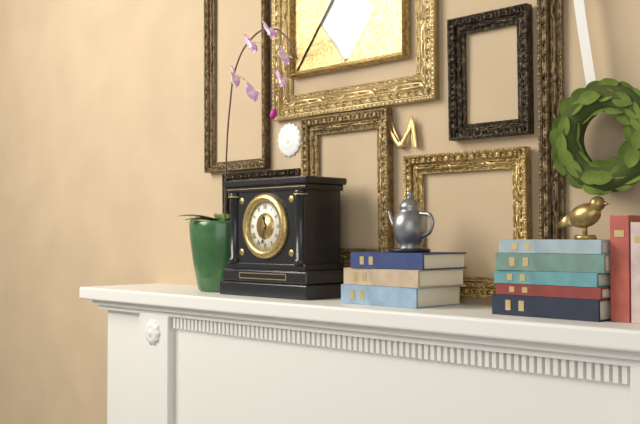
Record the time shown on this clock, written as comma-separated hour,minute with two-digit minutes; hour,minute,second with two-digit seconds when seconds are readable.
11,32
